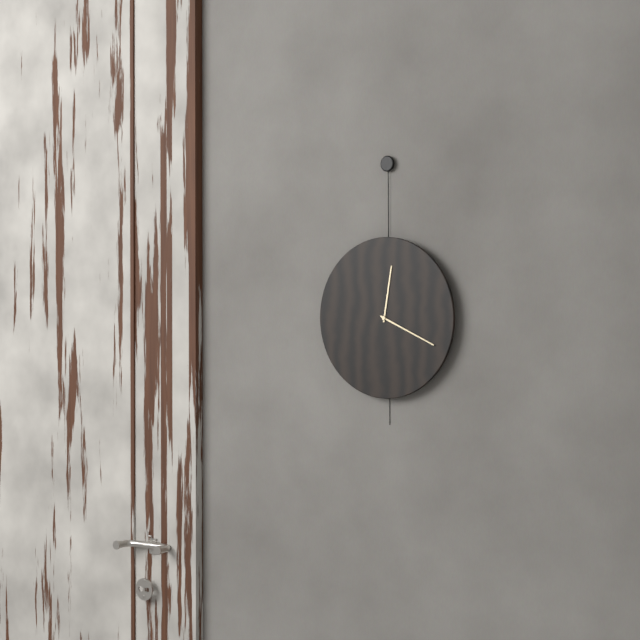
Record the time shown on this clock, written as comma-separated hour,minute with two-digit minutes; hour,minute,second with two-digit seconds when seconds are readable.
12,19
